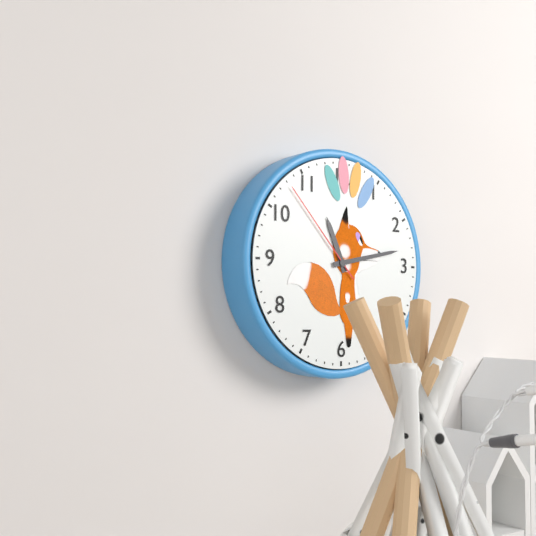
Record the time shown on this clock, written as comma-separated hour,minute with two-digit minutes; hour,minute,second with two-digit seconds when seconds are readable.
11,13,53
